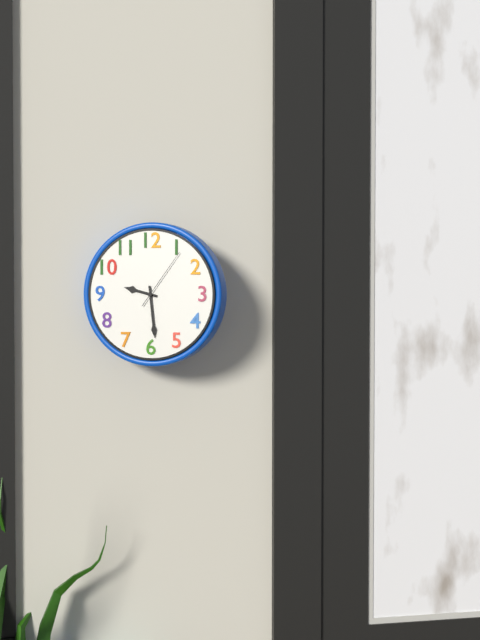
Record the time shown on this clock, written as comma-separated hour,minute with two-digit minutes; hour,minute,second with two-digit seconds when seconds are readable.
9,29,06
